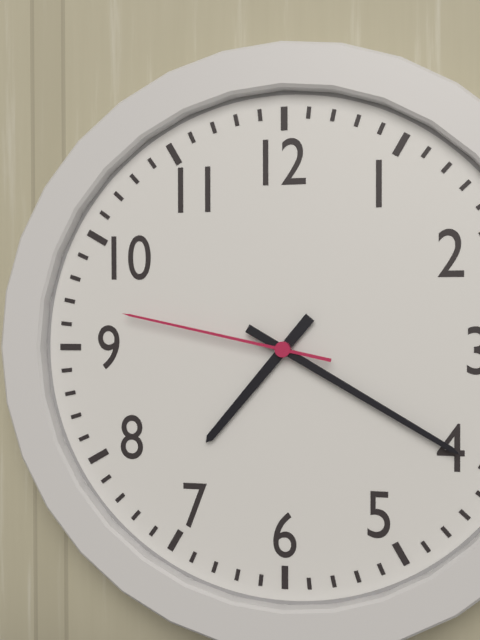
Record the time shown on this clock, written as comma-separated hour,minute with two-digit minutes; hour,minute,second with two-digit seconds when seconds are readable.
7,20,47
